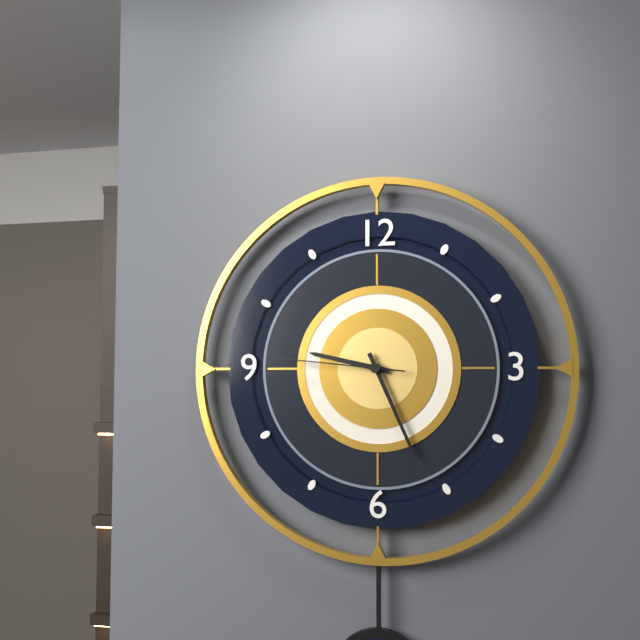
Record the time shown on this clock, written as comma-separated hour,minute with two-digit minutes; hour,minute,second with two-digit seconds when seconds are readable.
9,26,46
